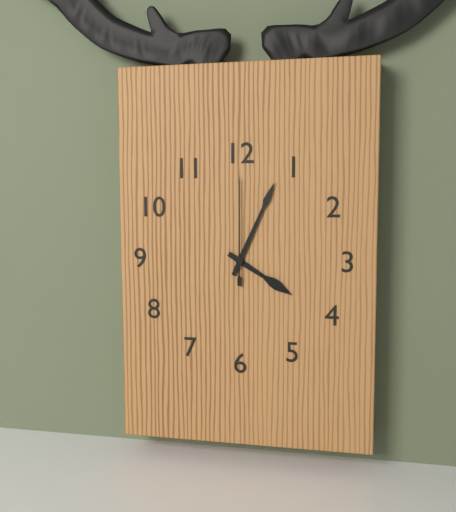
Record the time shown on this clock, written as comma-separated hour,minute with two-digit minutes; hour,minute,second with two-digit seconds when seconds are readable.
4,04,00
